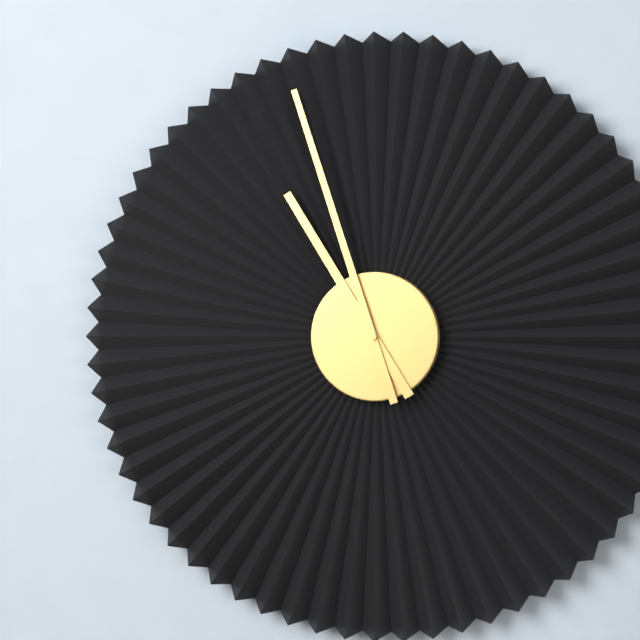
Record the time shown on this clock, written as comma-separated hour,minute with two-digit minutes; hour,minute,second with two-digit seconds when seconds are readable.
10,57
